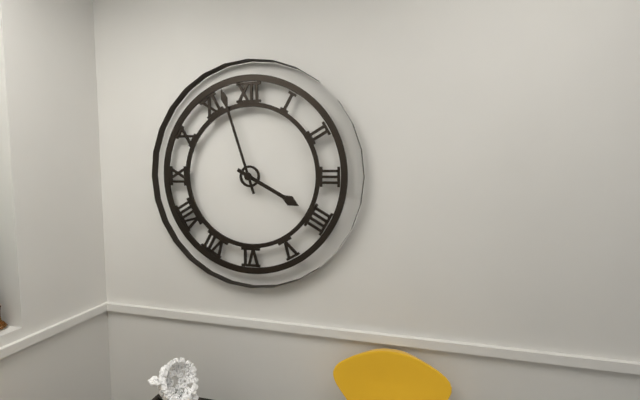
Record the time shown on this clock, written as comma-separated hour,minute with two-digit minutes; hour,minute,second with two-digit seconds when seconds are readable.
3,57
